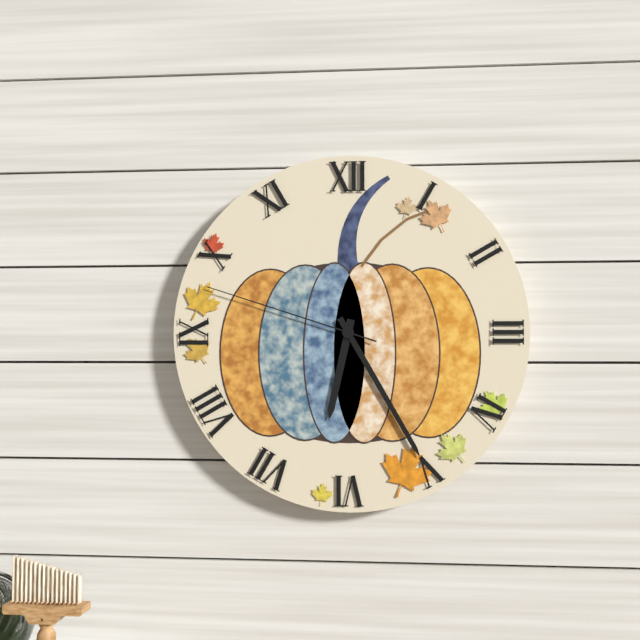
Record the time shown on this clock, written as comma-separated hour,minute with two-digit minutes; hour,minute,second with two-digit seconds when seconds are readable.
6,25,48
